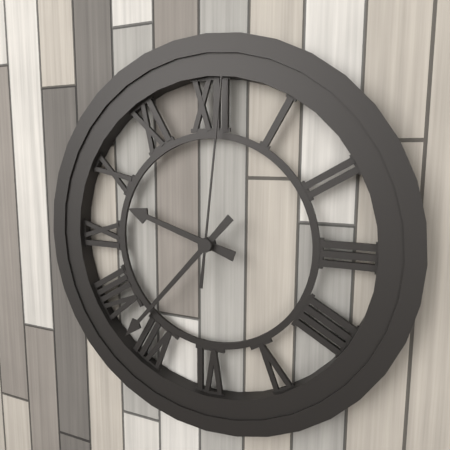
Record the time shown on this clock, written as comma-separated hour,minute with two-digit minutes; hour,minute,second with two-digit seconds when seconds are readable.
9,37,01
